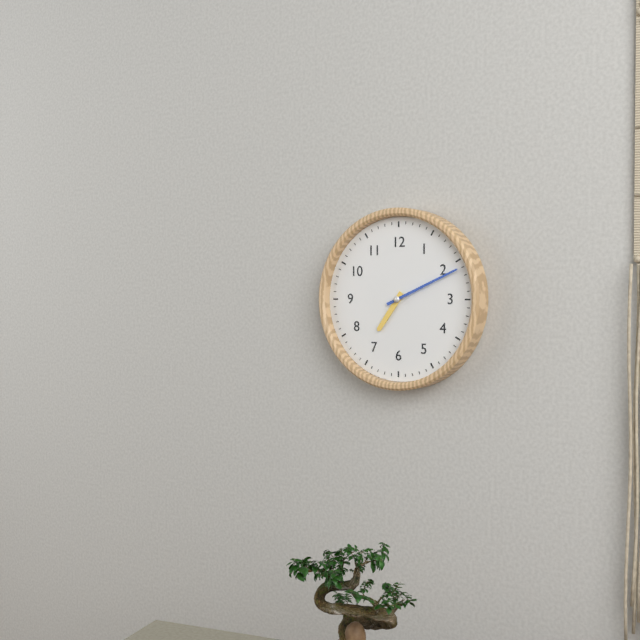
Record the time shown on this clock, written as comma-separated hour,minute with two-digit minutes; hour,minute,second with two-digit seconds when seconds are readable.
7,11
